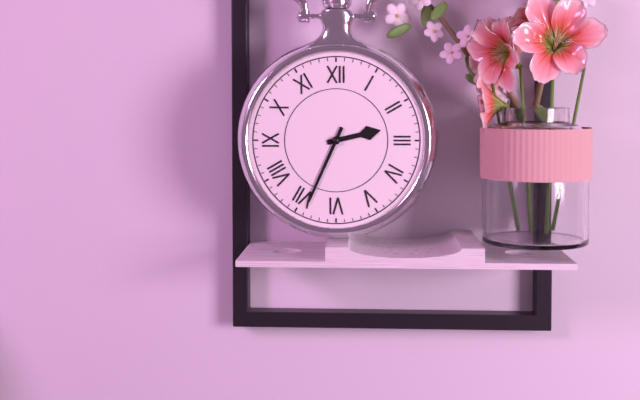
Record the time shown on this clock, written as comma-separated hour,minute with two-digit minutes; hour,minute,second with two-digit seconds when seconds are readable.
2,34
